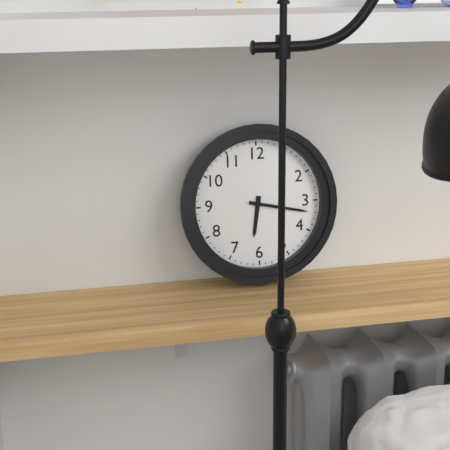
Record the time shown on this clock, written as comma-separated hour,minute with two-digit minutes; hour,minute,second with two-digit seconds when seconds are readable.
6,17
